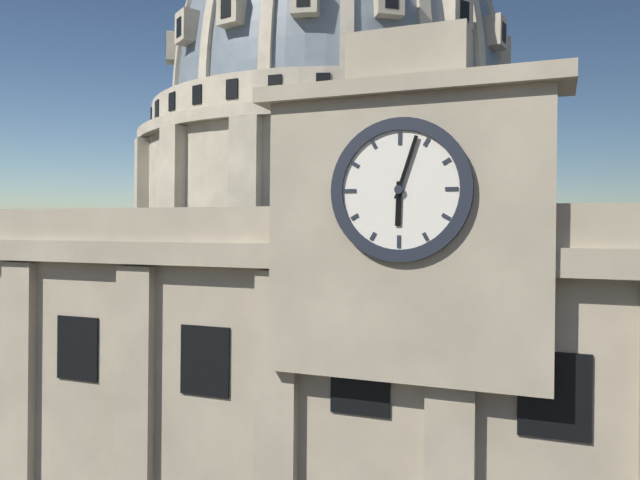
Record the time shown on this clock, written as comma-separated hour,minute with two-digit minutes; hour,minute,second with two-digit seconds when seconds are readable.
6,03
